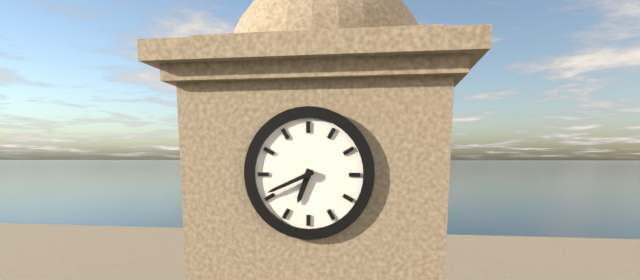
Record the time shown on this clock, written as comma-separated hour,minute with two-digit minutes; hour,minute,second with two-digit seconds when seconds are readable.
6,41
